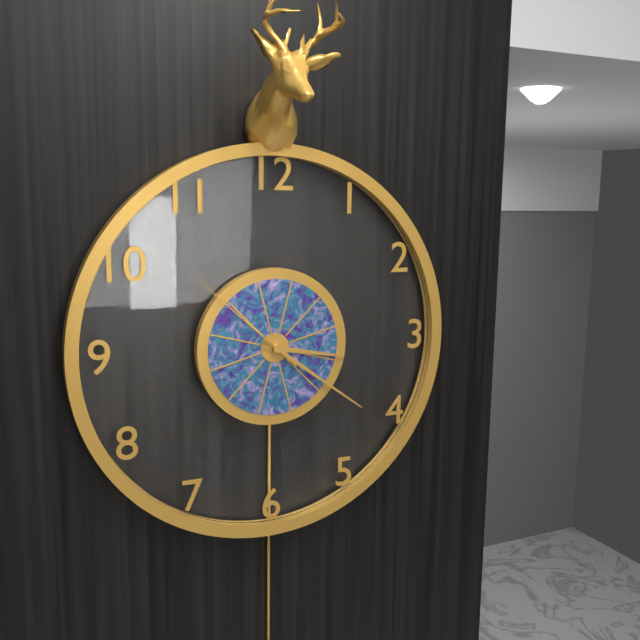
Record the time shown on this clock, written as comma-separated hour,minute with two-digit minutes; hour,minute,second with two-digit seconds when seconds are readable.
3,21,52
